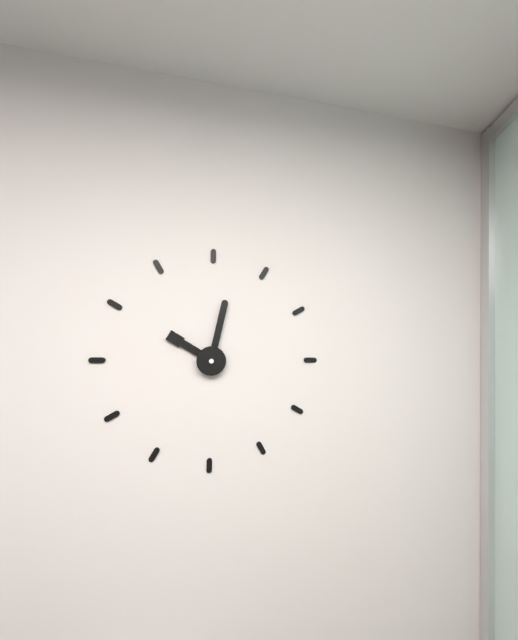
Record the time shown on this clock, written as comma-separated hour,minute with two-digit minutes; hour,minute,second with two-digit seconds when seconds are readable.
10,02
